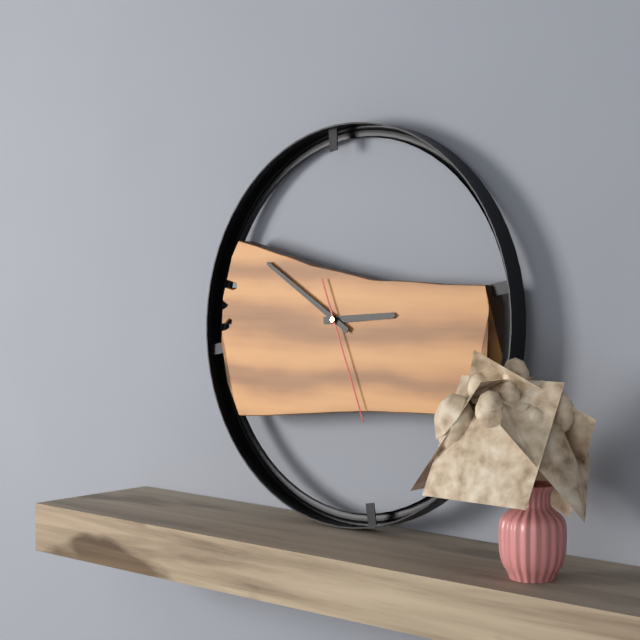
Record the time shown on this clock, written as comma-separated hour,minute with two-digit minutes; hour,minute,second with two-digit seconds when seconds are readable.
2,50,26
